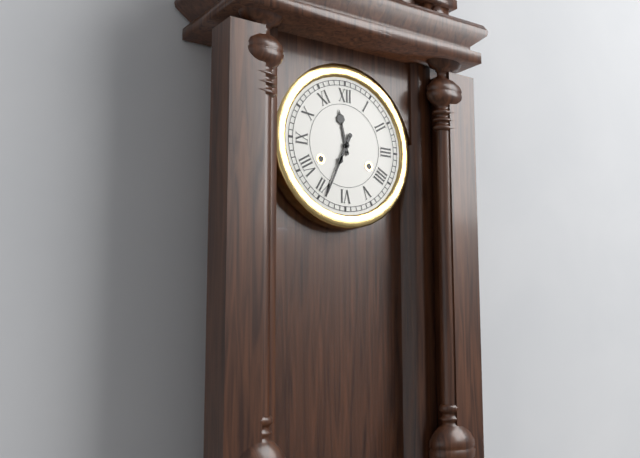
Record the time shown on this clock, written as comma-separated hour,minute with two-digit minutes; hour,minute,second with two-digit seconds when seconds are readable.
11,34
